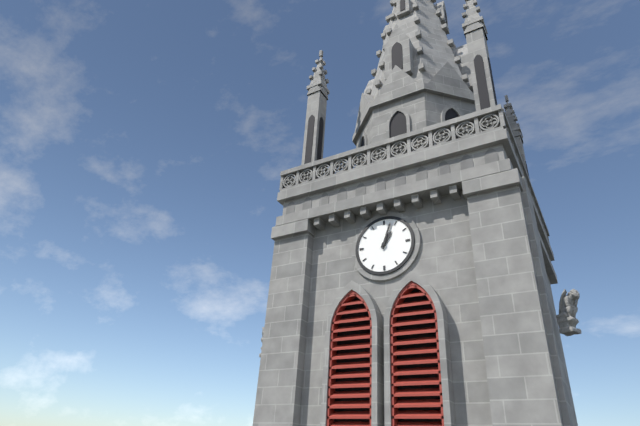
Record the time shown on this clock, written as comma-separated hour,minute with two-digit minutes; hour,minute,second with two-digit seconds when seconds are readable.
1,03
